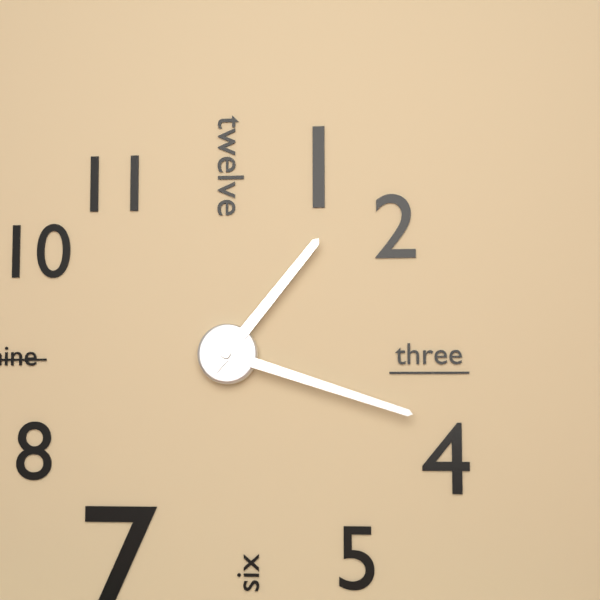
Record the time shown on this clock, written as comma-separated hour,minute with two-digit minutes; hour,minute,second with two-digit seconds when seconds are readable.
1,18
